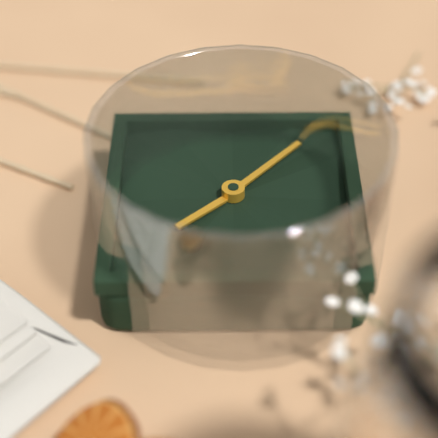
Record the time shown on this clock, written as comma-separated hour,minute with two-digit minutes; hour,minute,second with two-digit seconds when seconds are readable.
1,37
